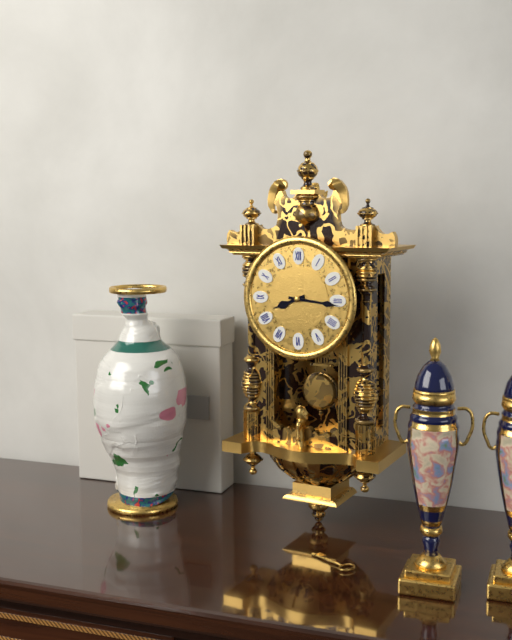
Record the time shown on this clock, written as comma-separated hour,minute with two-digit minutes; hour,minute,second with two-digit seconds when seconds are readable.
8,16
